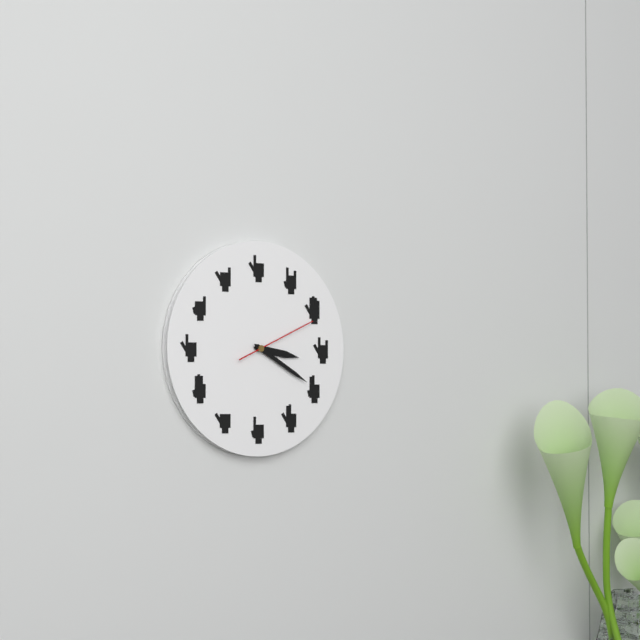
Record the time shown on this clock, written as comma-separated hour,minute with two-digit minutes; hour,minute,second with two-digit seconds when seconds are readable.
3,20,11
